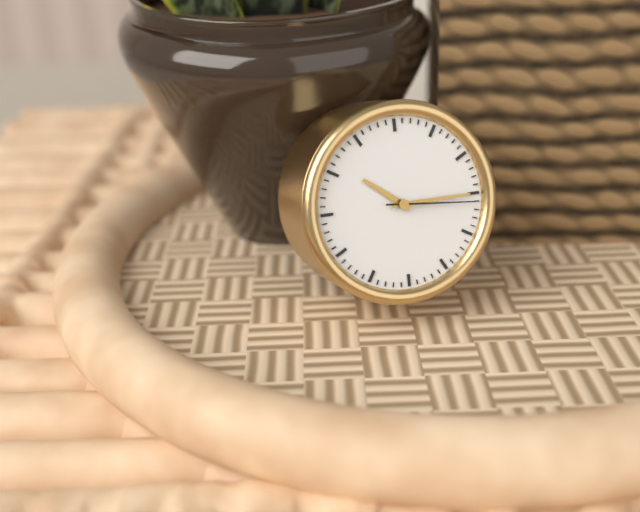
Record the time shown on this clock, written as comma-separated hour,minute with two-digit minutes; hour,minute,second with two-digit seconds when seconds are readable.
10,15,16
